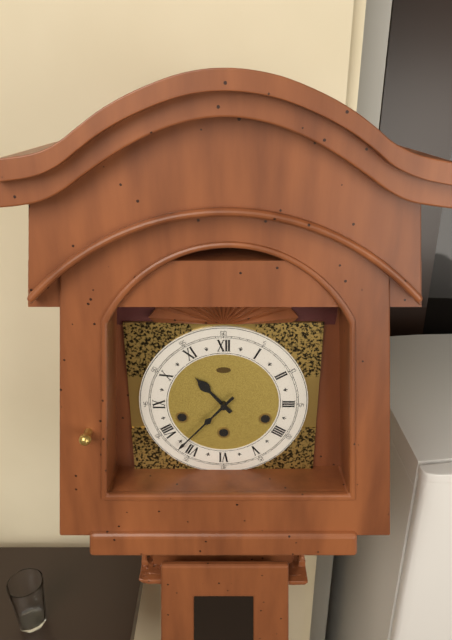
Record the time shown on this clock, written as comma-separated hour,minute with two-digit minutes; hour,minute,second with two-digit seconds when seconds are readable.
10,37
